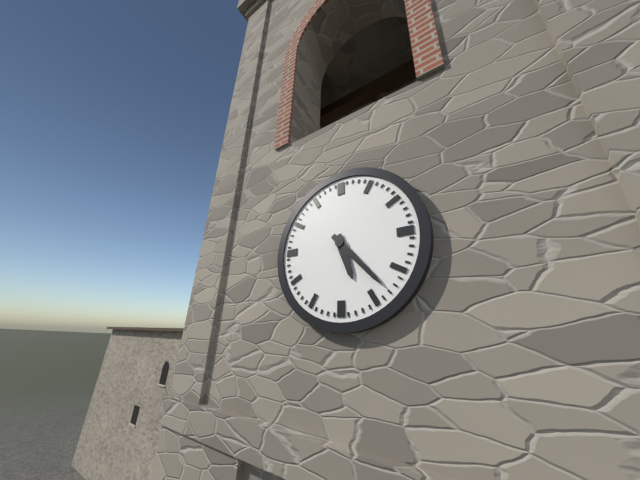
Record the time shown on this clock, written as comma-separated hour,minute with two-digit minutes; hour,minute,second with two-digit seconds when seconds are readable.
5,23
